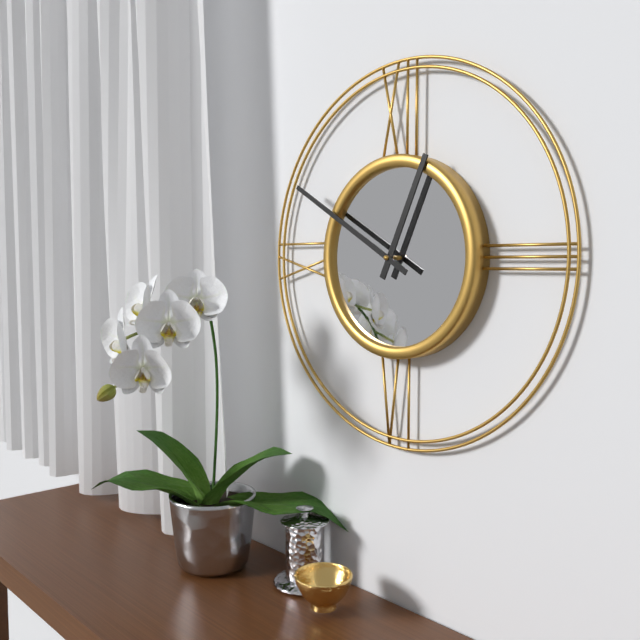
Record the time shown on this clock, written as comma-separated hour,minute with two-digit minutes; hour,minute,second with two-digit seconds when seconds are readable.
12,50
